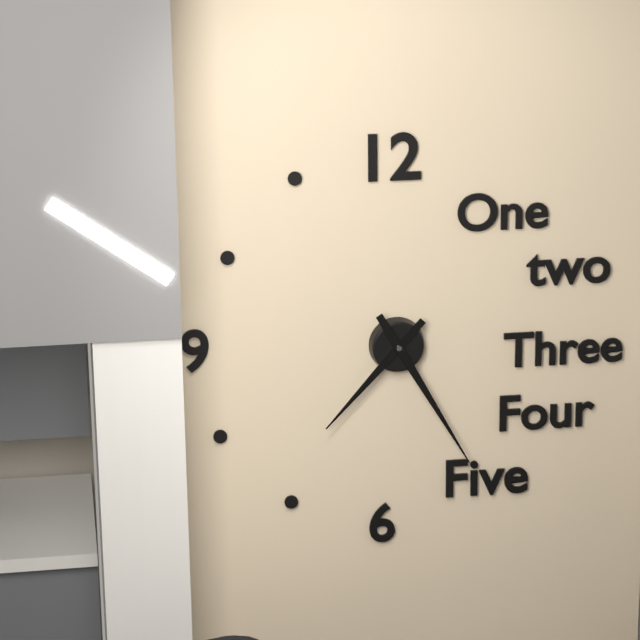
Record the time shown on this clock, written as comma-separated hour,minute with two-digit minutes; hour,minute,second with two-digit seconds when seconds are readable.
7,25
